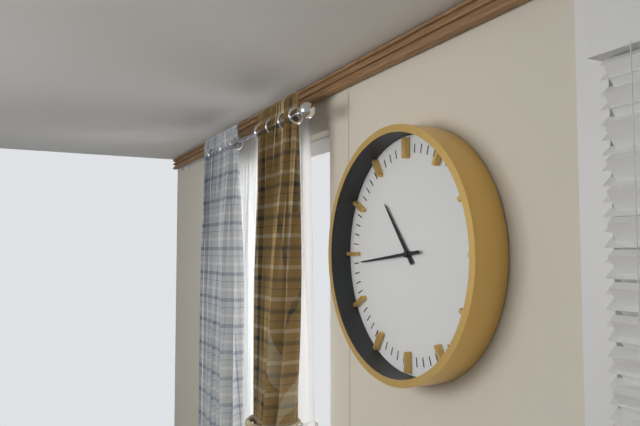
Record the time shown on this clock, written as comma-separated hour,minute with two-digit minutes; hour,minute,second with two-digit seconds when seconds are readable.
10,44
